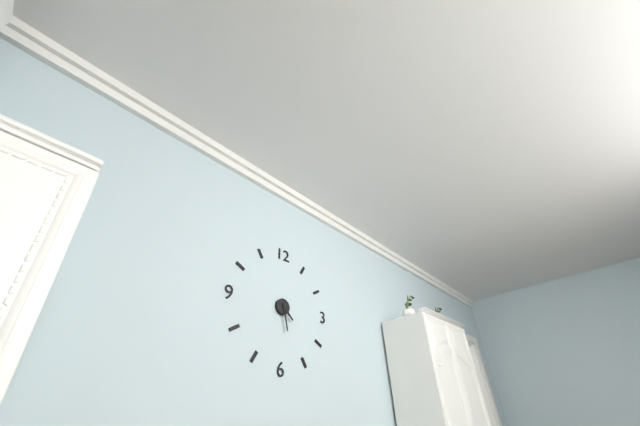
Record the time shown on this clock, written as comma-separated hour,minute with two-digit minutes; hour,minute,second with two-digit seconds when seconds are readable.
4,28
